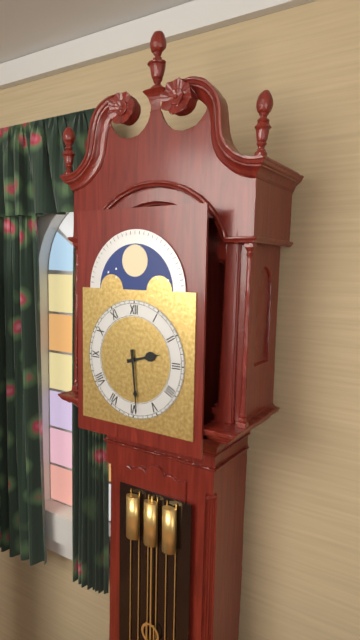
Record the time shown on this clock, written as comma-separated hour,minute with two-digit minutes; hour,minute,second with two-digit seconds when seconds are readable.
2,29
